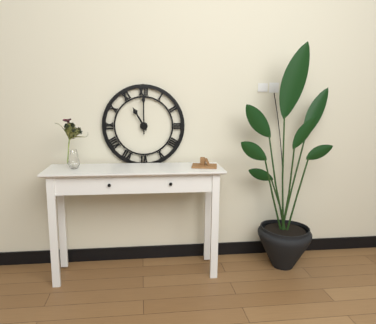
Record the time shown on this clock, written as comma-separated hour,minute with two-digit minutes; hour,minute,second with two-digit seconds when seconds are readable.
11,00
